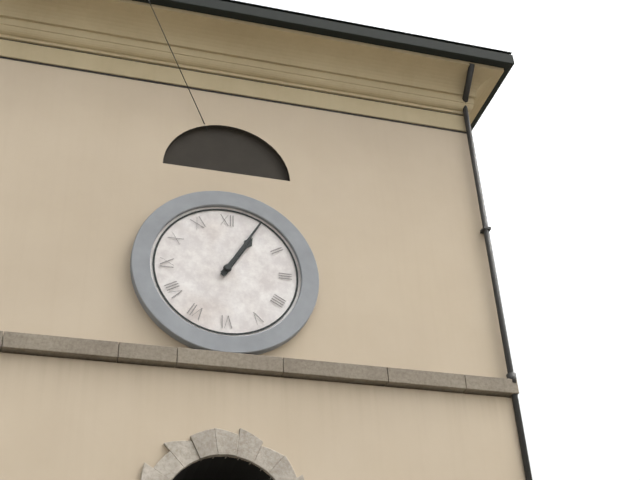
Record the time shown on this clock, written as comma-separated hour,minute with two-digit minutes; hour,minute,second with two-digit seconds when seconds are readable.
1,05
